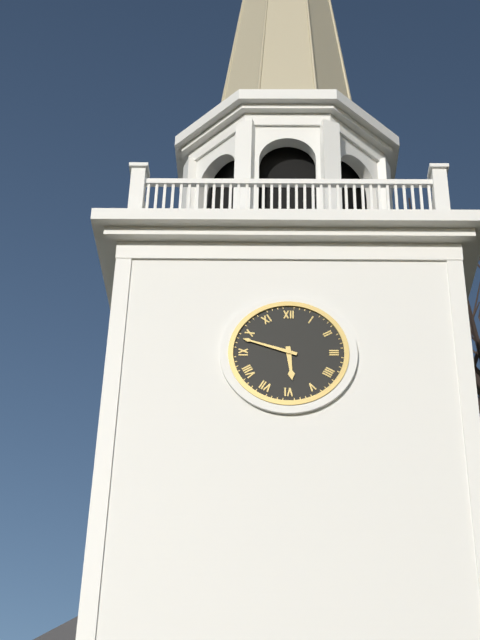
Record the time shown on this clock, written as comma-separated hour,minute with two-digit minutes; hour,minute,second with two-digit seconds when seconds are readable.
5,48
